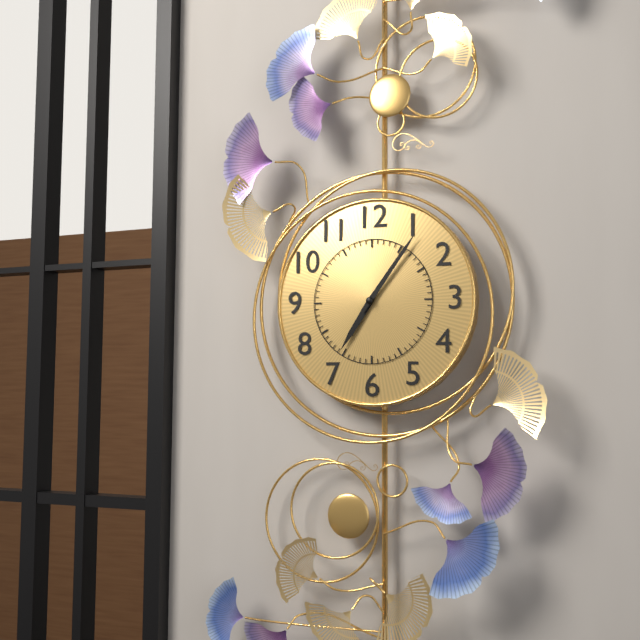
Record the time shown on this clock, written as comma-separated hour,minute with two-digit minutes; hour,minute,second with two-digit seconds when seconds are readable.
7,06
